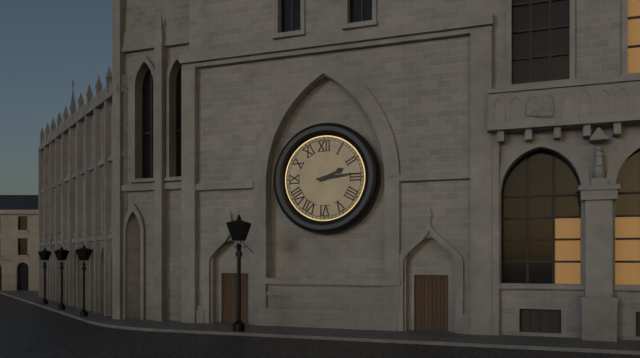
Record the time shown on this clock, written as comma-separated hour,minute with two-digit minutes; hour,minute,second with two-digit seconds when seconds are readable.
2,14
